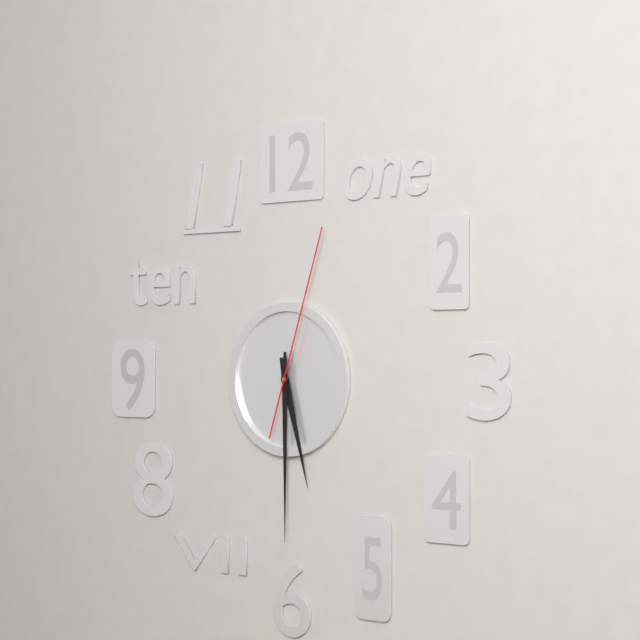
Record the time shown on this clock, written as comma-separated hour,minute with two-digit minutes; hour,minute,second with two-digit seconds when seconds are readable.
5,30,03
